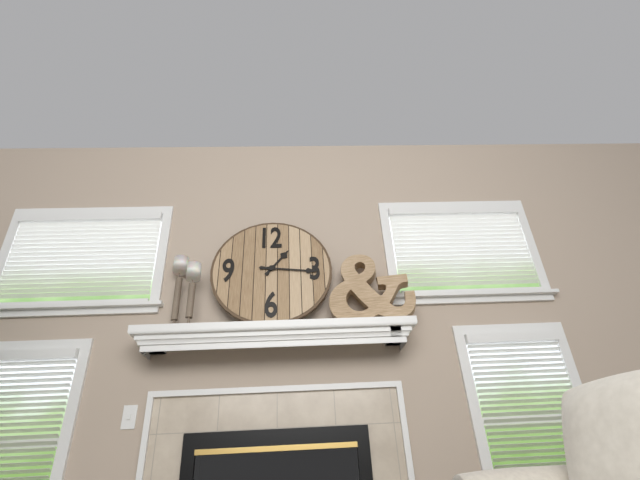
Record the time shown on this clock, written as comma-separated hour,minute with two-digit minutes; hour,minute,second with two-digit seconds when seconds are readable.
1,16
